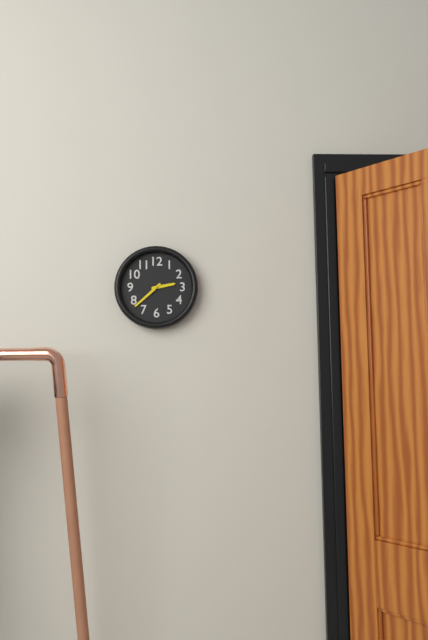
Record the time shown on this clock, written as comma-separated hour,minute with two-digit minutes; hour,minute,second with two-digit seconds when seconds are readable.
2,38
